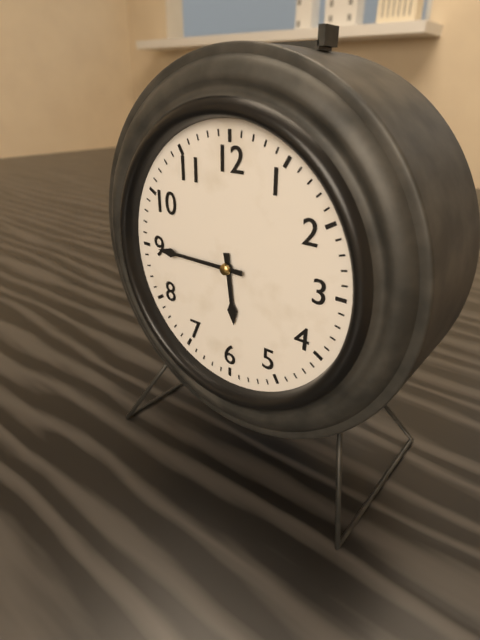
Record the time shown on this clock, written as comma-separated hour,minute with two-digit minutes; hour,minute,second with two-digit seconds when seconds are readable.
5,45
